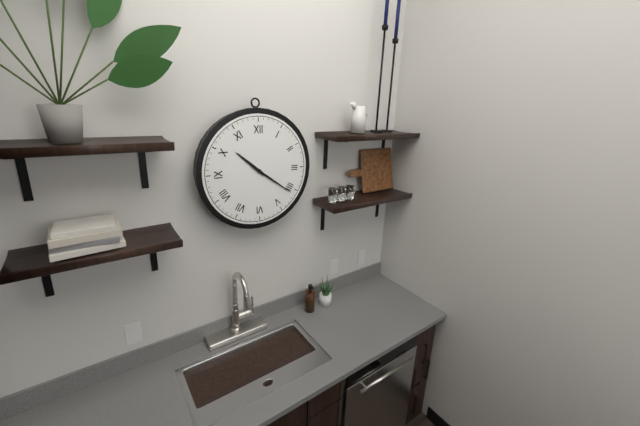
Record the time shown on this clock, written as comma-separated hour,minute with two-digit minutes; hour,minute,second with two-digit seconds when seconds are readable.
10,21
